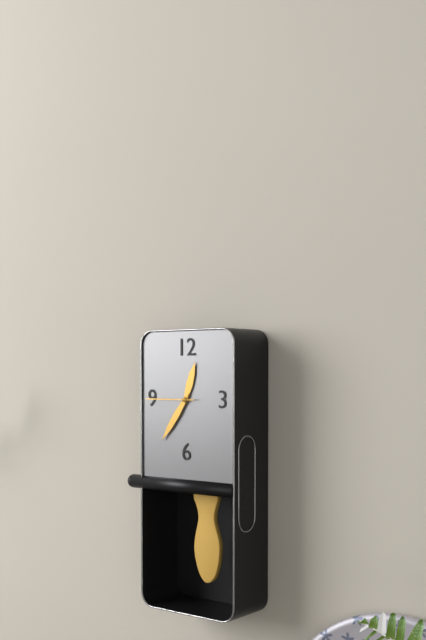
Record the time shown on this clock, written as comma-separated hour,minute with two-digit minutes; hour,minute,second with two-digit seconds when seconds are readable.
12,36,45
